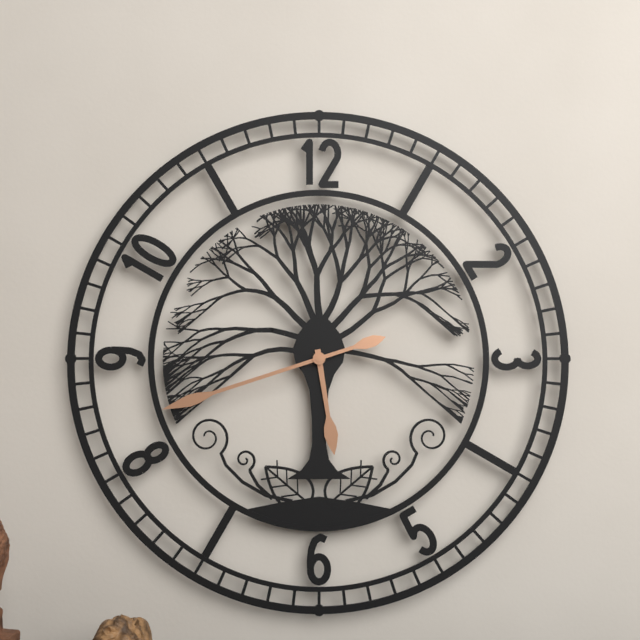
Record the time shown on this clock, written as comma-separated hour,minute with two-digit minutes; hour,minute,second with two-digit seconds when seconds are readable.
5,42
